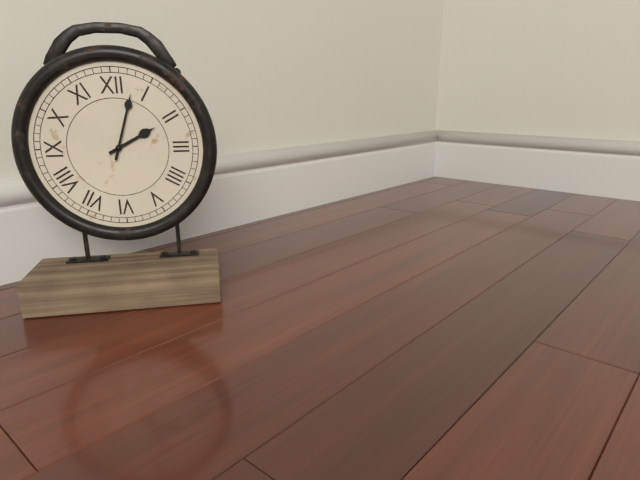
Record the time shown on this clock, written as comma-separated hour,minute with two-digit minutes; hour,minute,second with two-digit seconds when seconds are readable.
2,03
